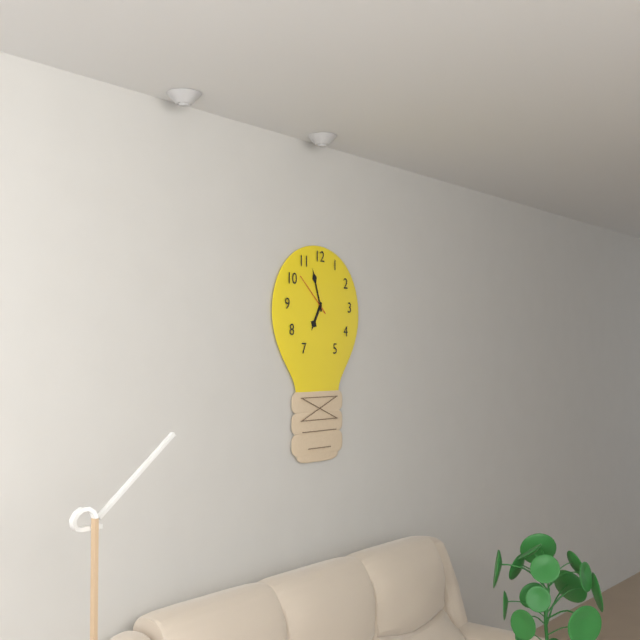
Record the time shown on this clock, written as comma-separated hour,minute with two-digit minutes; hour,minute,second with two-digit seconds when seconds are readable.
6,57
